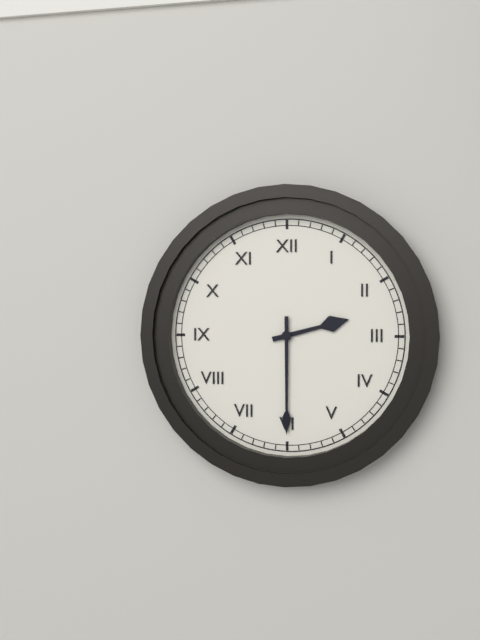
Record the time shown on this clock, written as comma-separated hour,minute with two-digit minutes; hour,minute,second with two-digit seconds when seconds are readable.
2,30
